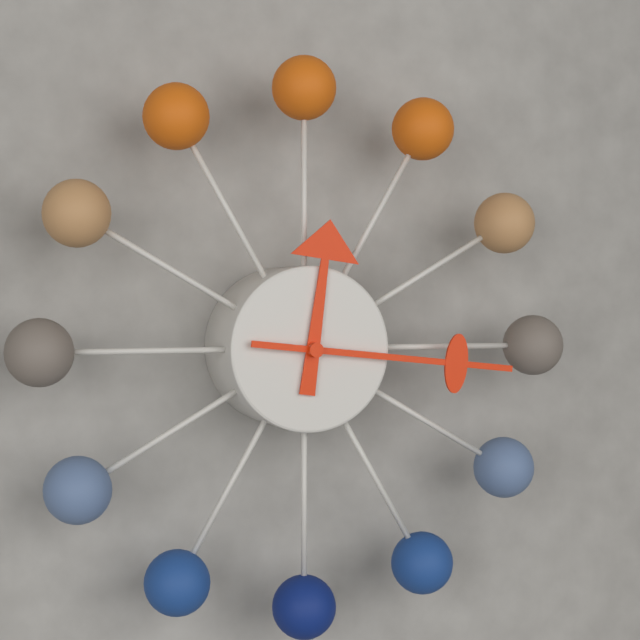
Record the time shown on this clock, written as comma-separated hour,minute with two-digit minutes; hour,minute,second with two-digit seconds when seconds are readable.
12,16
